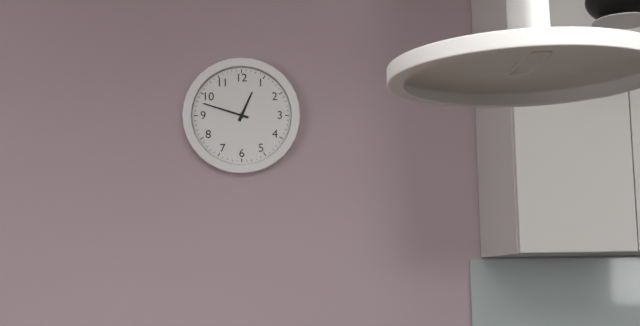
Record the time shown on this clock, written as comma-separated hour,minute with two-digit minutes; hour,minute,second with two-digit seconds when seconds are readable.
12,48
